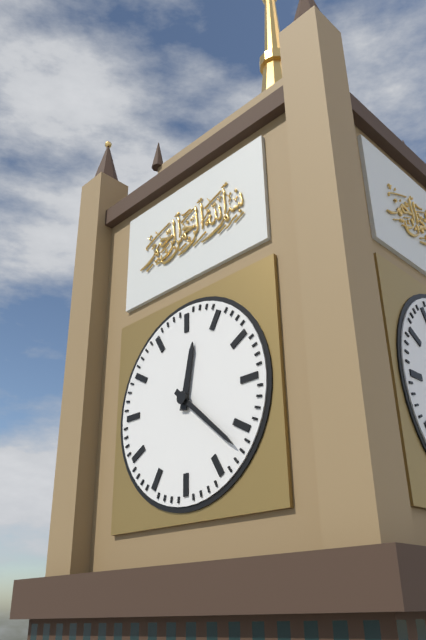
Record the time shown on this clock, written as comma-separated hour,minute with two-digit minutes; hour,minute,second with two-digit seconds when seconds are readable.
12,22
